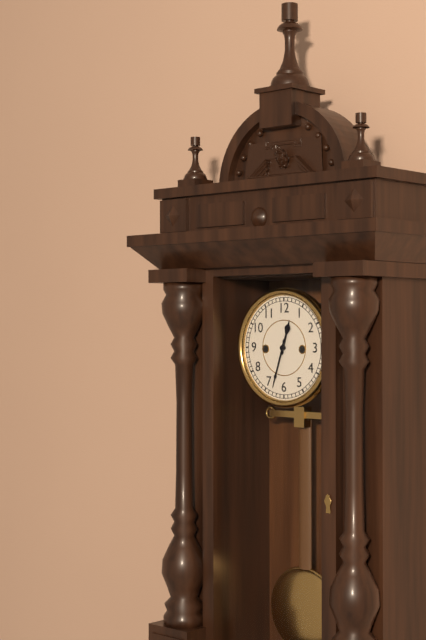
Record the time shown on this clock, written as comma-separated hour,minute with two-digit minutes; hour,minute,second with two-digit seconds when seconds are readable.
12,33
